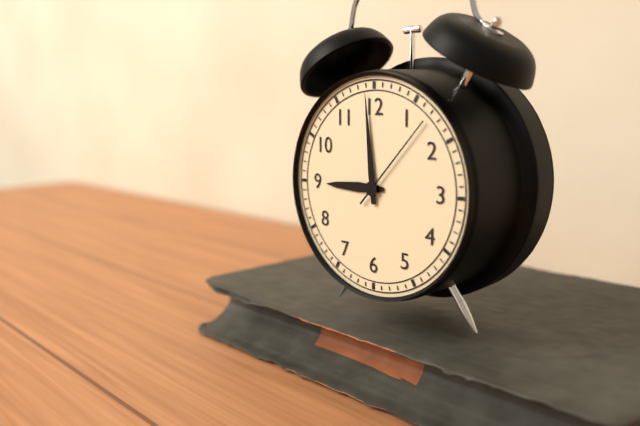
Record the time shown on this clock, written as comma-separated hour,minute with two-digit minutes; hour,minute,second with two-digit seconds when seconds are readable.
8,59,07
